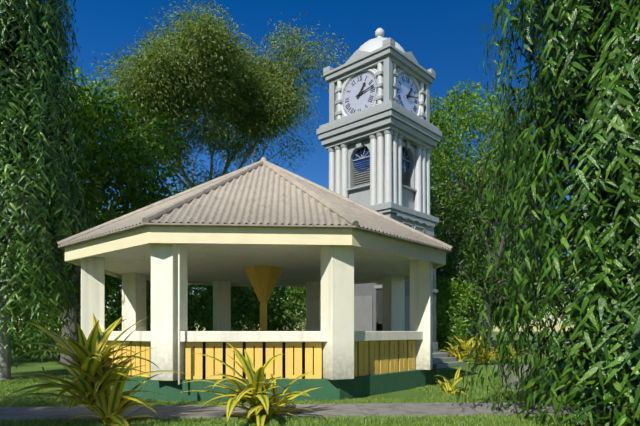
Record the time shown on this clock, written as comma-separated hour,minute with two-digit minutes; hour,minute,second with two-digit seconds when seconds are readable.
1,13
